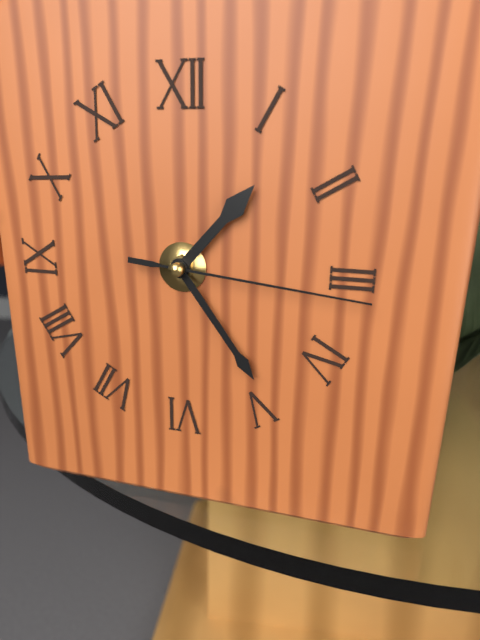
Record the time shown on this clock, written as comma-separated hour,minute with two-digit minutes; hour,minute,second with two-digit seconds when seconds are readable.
1,24,16
